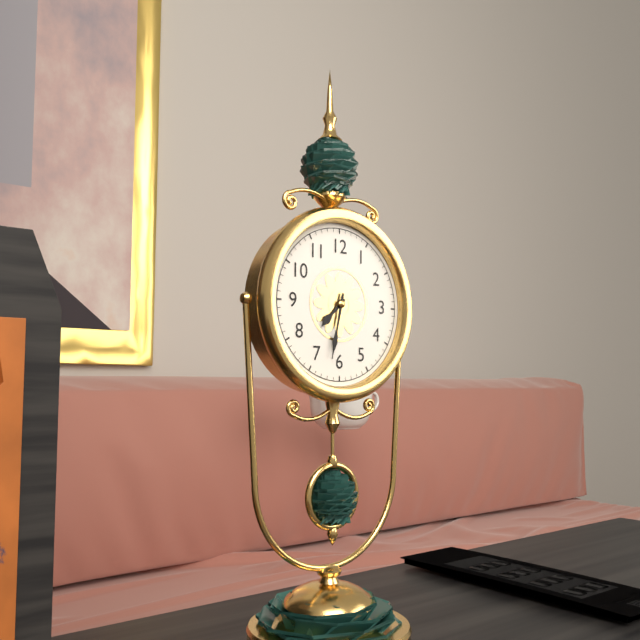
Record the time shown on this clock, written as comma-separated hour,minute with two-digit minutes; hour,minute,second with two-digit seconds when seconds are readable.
7,32
